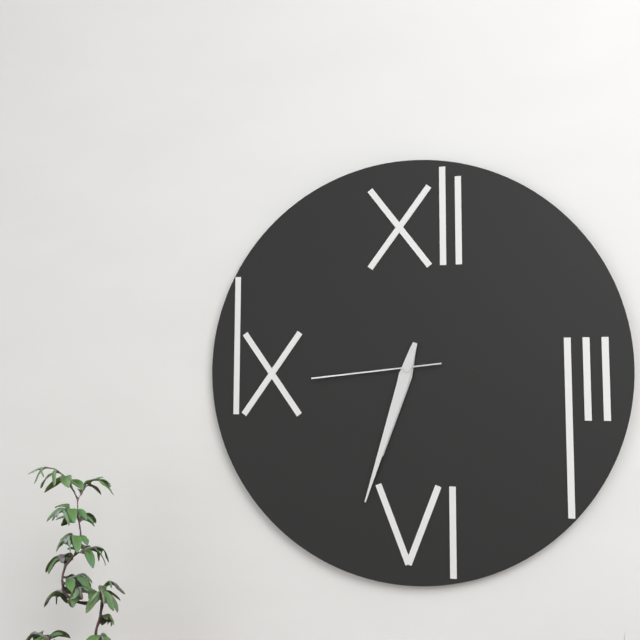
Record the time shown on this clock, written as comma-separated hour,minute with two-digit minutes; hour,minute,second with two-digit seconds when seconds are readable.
6,33,44
